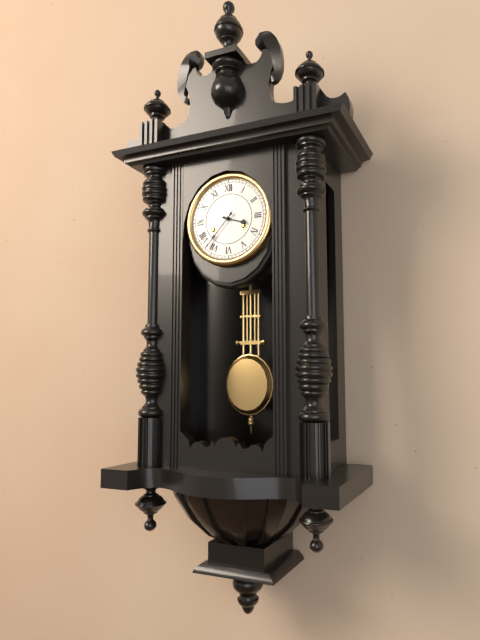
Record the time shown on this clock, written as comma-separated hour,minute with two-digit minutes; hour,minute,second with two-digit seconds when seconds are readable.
3,37
